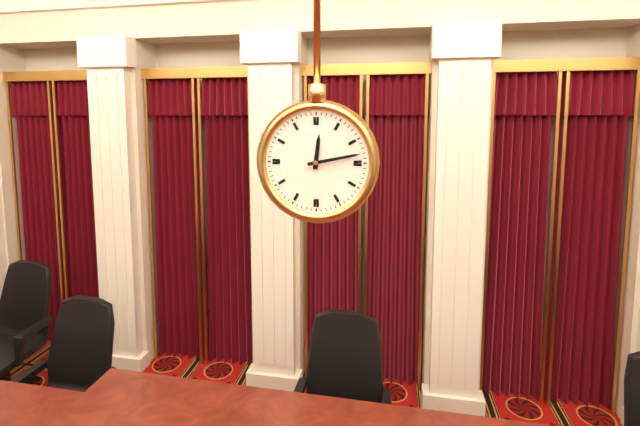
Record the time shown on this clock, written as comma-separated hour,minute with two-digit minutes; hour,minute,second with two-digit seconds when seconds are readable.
12,13
